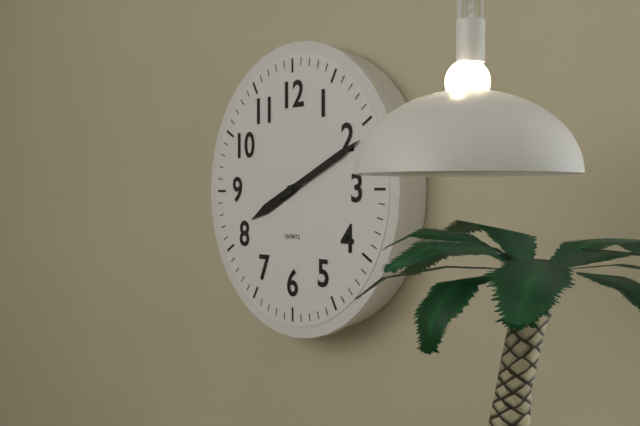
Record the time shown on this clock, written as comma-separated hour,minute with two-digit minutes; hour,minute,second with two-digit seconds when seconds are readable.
8,11
